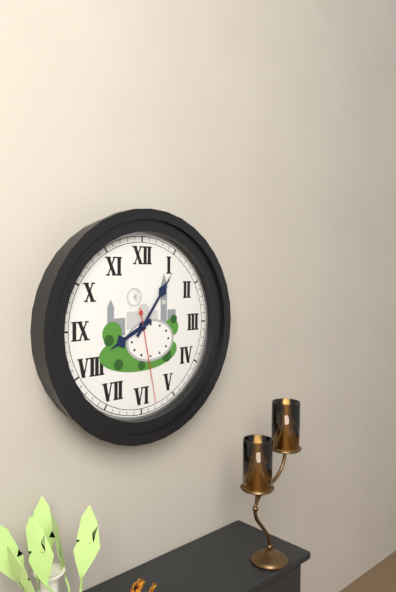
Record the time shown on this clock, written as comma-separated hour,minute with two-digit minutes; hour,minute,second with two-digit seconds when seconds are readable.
8,06,28
